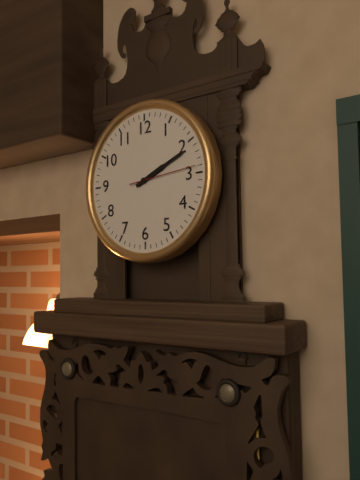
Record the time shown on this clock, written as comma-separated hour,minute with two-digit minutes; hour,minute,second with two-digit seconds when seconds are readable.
2,11,14
